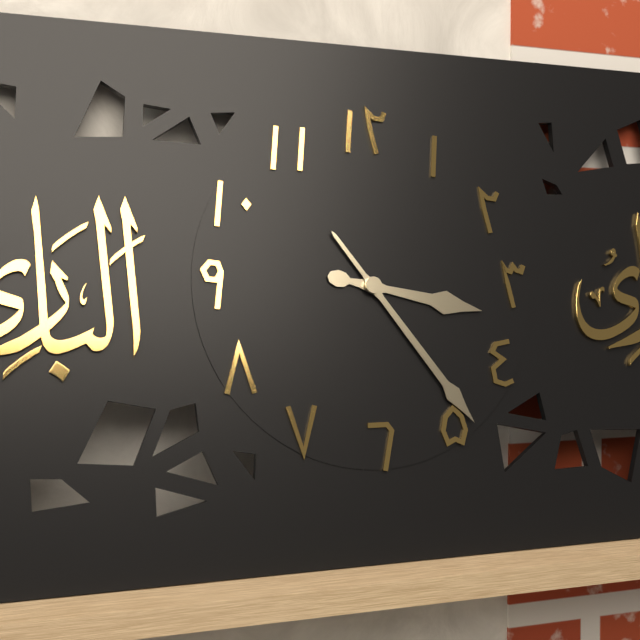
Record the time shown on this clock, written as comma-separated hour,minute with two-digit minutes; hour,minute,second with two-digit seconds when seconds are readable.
3,24
